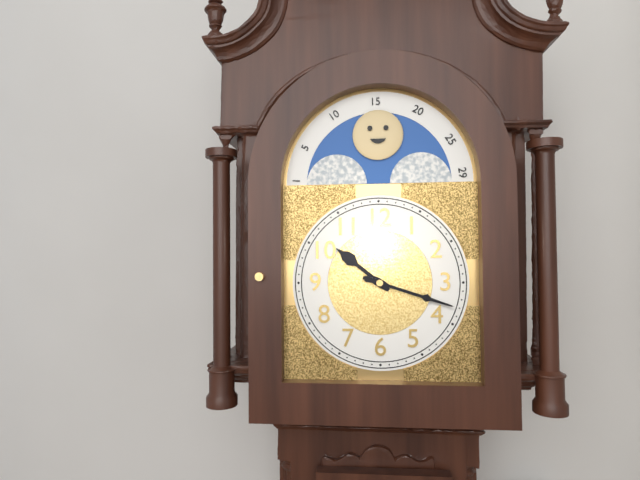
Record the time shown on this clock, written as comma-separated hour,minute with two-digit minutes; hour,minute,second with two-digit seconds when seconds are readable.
10,18
